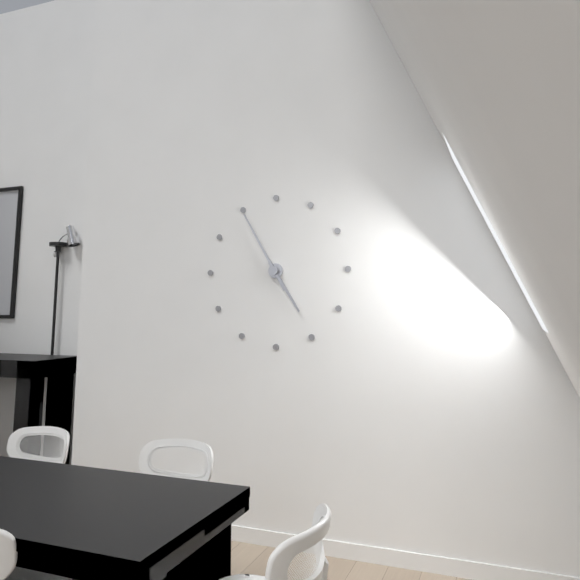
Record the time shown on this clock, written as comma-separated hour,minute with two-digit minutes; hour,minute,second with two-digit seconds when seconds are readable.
4,55
